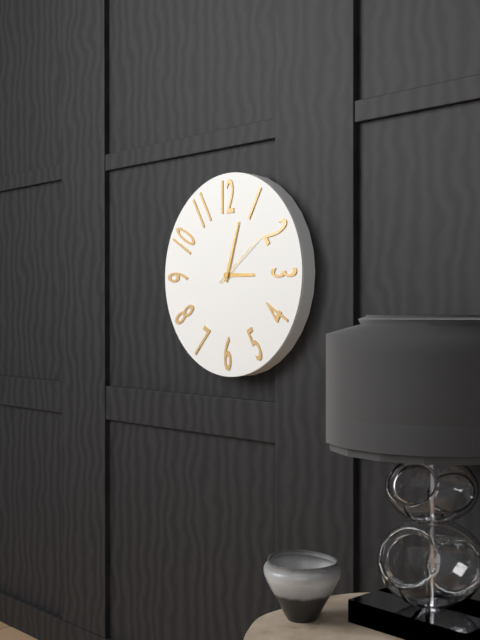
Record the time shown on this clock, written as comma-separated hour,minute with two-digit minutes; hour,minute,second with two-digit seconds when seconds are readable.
3,03,09
